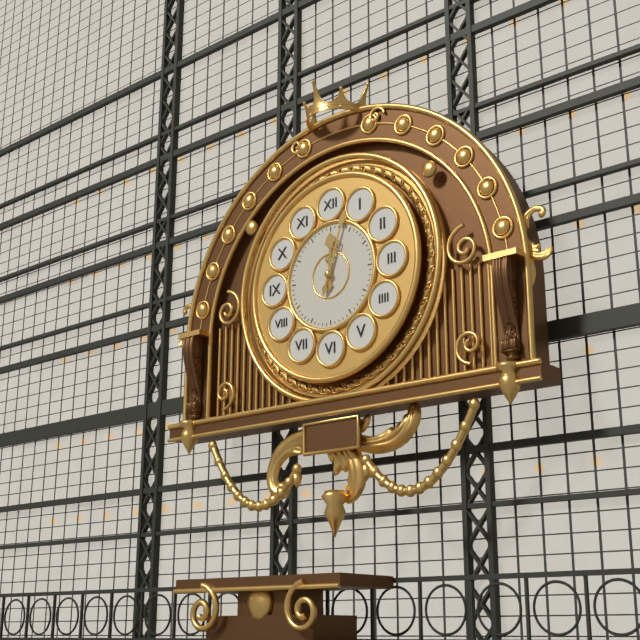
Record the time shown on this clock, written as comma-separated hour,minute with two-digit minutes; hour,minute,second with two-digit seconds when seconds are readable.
12,03
